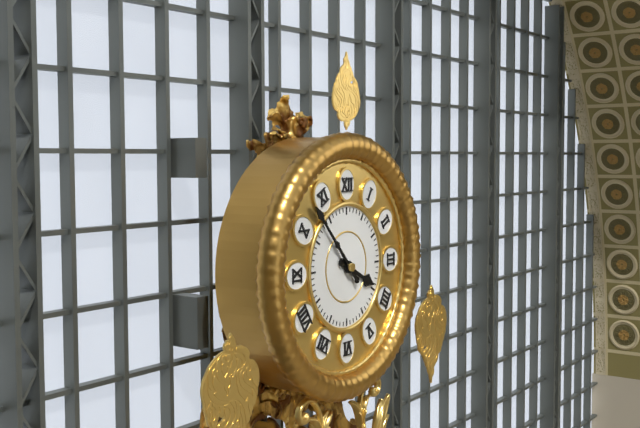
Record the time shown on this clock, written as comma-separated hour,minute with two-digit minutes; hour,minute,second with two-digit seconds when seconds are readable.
3,53
